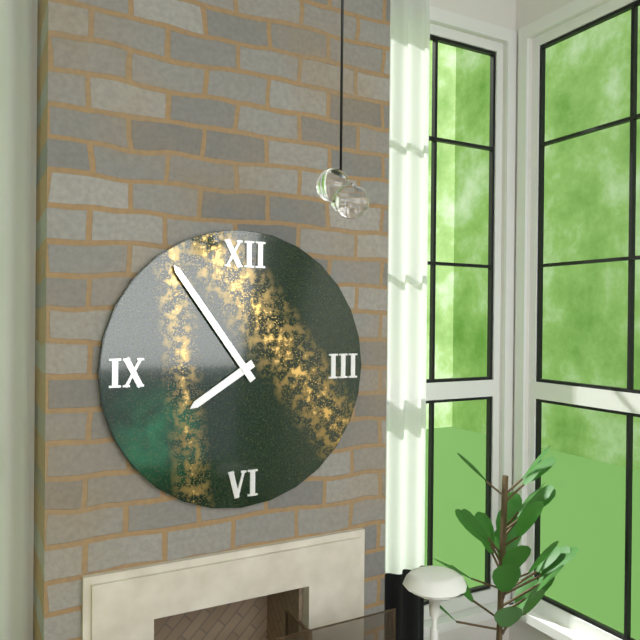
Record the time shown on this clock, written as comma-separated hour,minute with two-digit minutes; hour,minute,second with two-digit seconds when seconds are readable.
7,54
